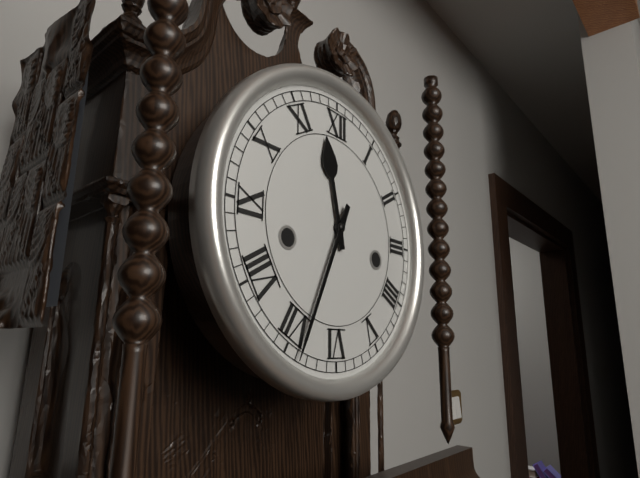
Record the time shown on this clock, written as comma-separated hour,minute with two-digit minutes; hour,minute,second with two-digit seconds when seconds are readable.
11,34
